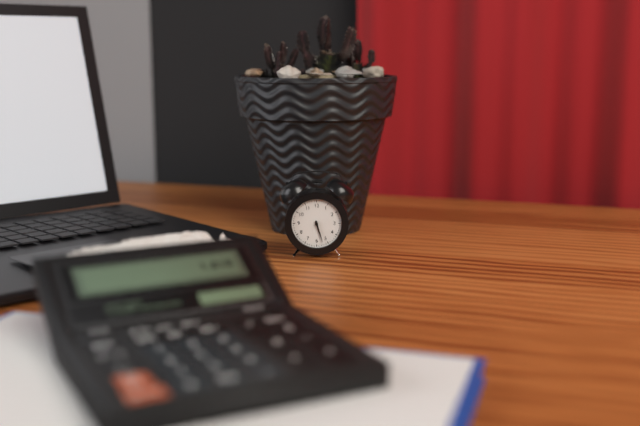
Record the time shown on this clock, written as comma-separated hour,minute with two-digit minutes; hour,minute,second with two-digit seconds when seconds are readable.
5,27
